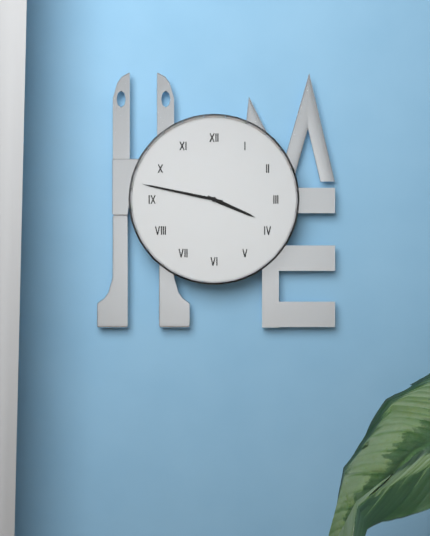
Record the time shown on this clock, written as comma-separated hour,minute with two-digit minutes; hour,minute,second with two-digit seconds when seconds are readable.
3,47
